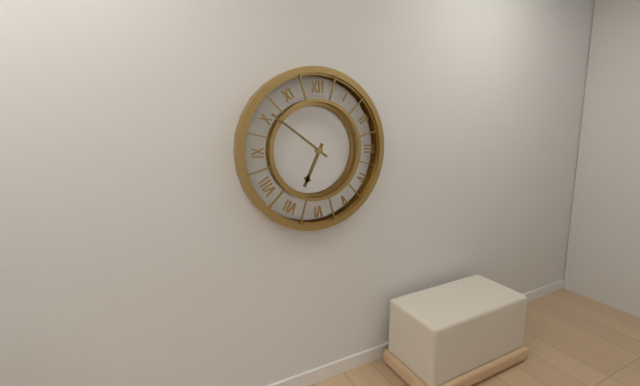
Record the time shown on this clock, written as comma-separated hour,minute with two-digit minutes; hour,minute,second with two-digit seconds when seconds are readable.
6,51
